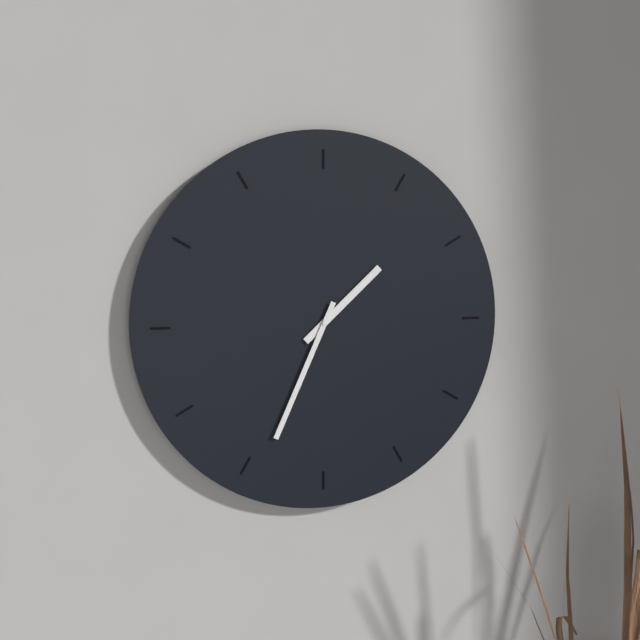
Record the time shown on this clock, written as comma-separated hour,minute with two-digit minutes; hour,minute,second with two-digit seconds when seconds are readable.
1,34
